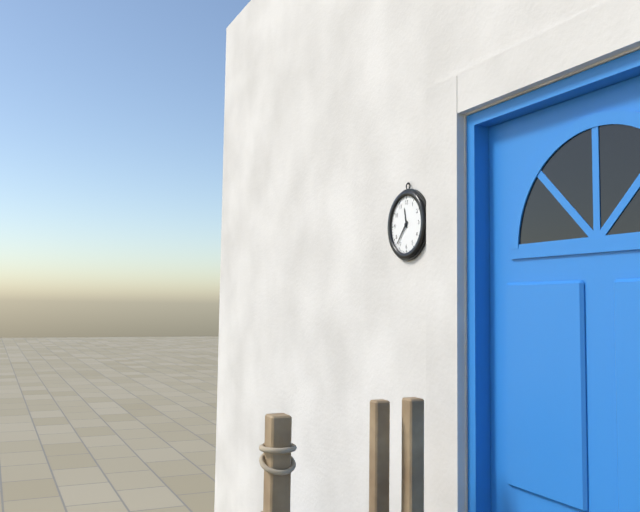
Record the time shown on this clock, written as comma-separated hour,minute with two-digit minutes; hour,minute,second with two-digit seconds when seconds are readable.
11,37
